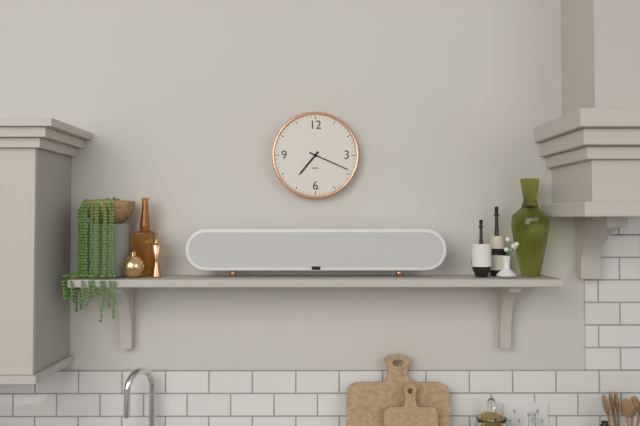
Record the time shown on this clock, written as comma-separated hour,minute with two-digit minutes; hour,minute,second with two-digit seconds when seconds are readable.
7,19
